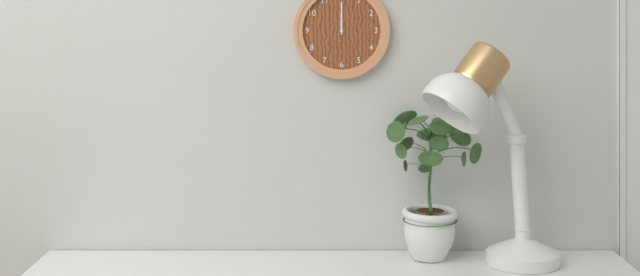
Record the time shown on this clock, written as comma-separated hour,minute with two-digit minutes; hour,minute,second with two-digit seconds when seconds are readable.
12,00
